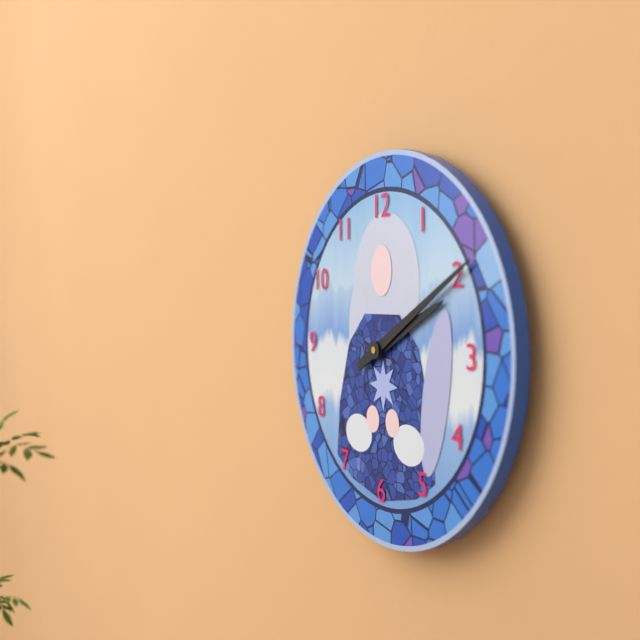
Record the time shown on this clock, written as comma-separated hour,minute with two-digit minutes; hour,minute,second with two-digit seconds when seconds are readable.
2,10
